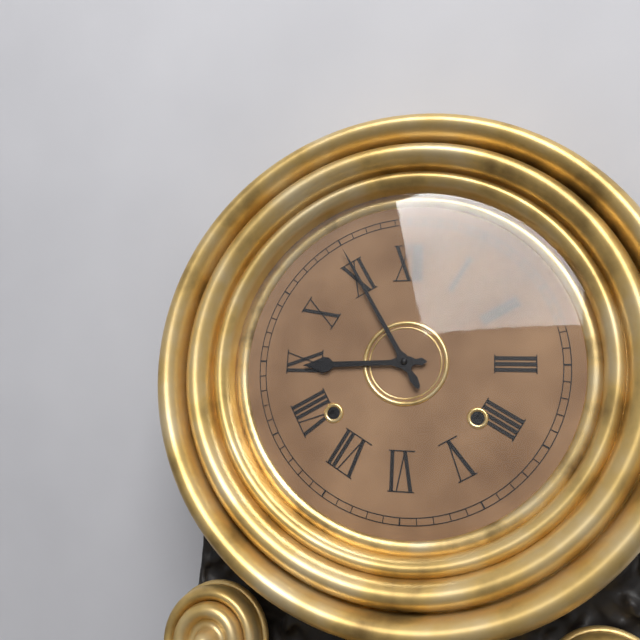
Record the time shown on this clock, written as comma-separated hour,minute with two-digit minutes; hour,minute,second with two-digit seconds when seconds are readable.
8,55
